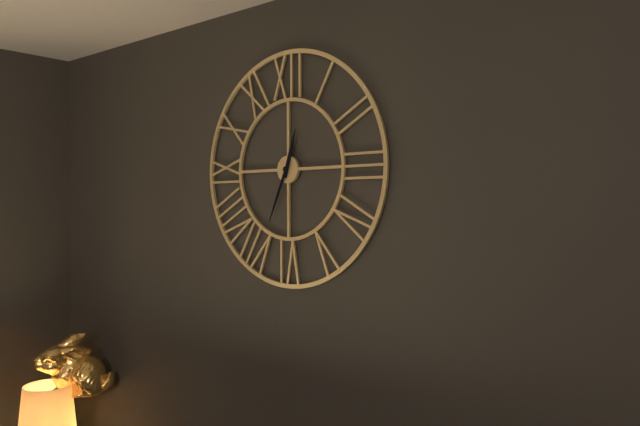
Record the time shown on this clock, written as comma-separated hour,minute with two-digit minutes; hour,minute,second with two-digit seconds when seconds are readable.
12,34
